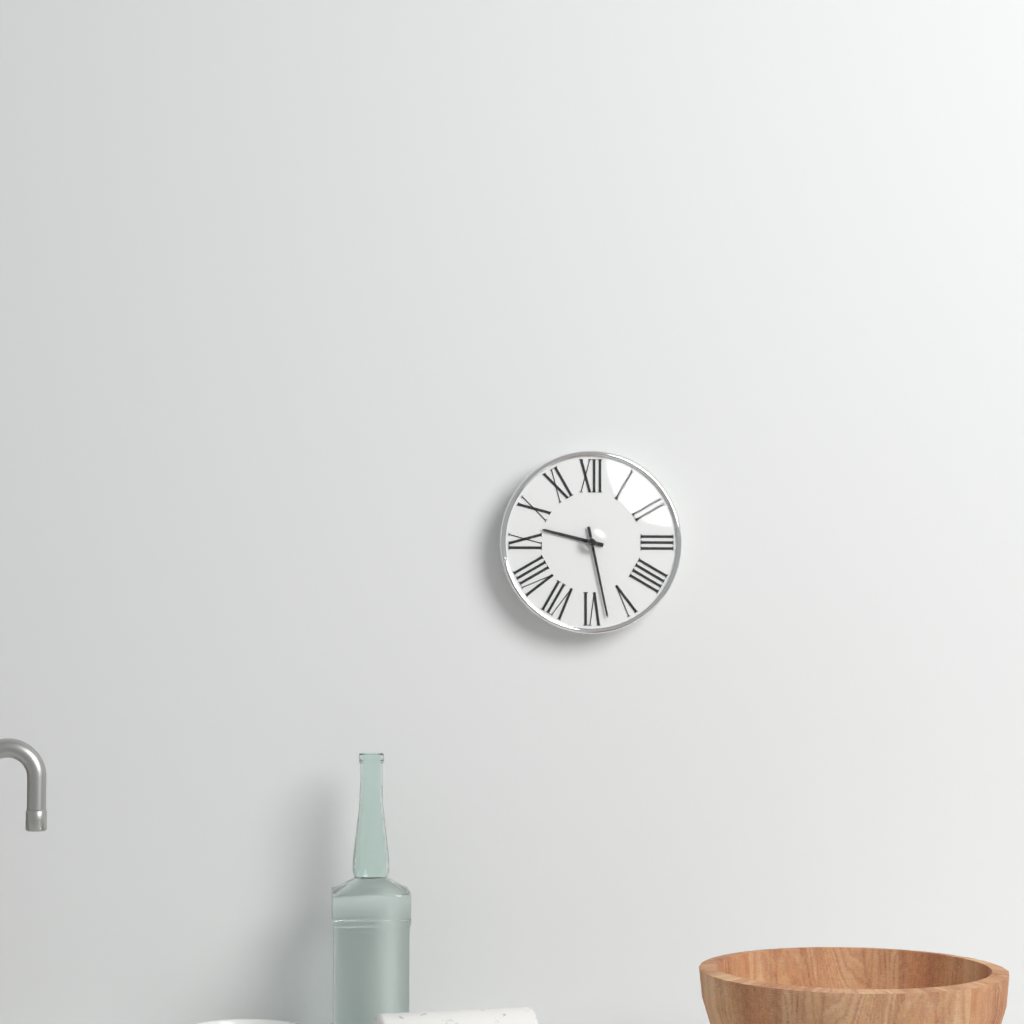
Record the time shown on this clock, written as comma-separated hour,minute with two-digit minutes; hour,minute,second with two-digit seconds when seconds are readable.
9,28
